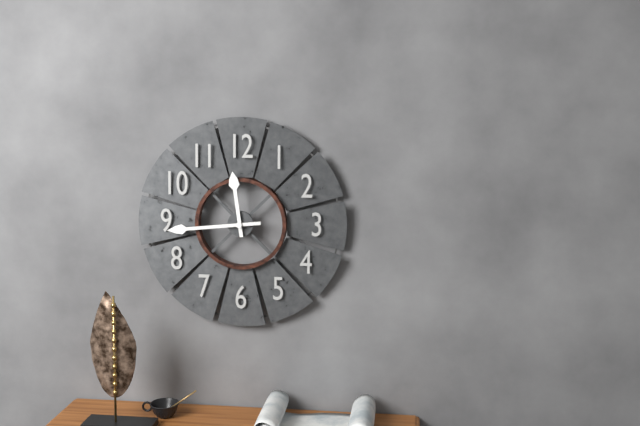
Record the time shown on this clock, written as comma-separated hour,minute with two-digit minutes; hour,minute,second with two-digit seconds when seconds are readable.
11,44
